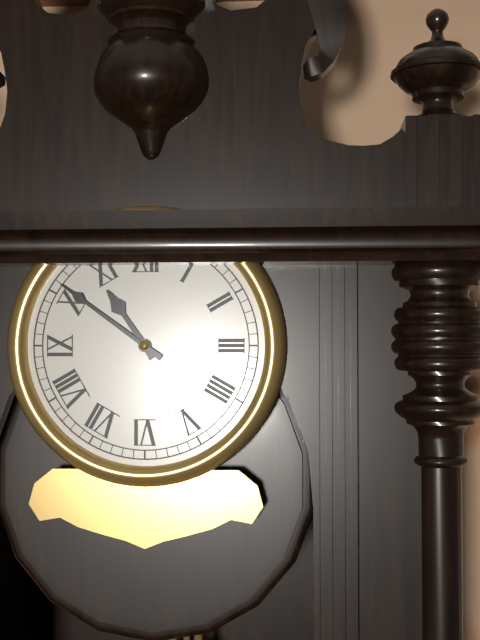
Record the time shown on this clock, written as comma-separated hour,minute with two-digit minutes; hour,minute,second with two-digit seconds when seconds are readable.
10,51
